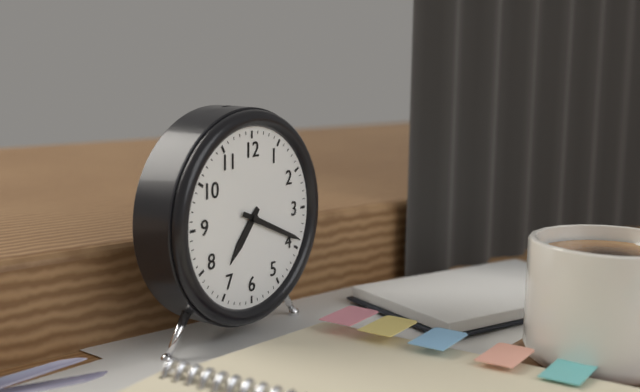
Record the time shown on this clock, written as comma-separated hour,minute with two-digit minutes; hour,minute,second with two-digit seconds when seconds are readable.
7,19
